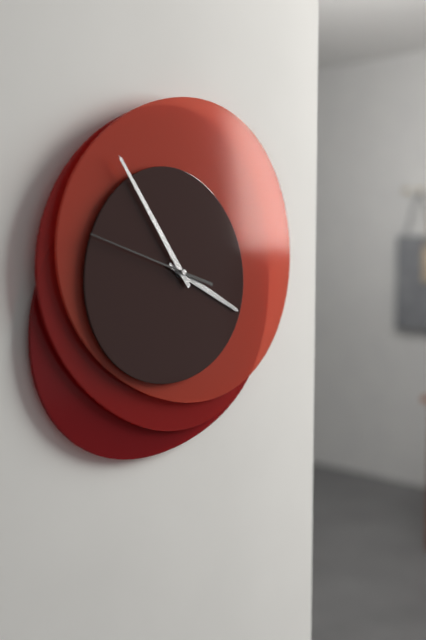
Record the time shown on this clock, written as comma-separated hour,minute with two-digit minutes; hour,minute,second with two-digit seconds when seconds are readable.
3,54,48
